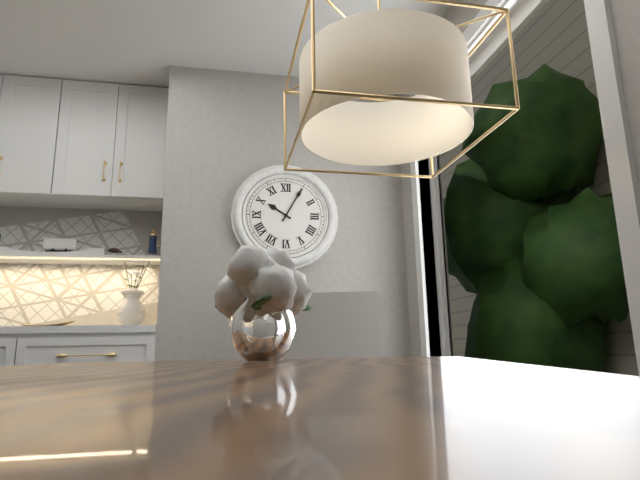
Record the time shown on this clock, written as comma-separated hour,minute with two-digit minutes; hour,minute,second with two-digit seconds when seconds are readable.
10,05
